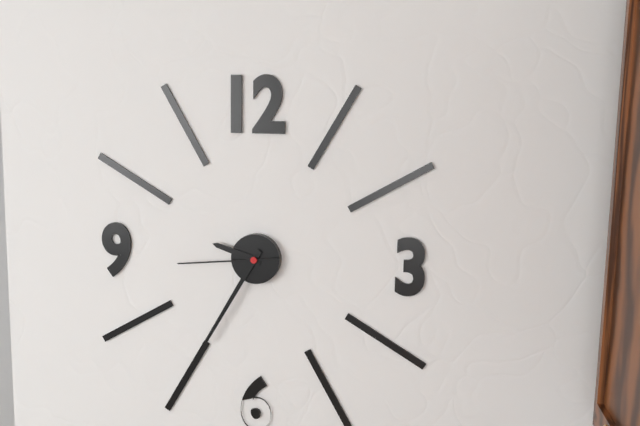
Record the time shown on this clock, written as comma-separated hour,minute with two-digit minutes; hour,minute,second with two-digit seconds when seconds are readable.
9,35,44
